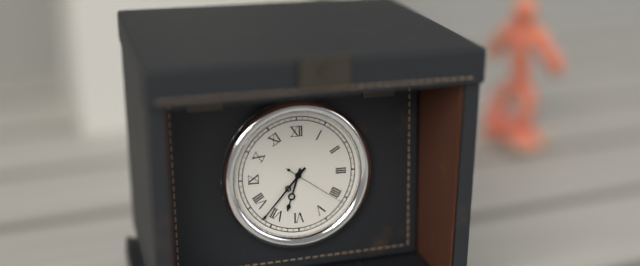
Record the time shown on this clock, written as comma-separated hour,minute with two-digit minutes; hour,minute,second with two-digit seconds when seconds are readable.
6,37,21
